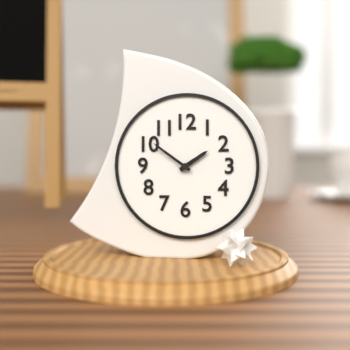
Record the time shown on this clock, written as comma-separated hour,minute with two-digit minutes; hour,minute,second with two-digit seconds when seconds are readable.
1,51
